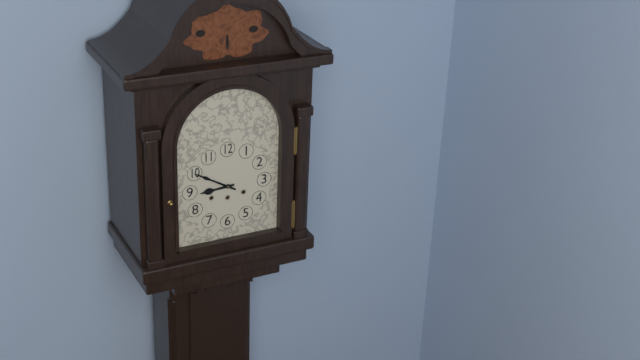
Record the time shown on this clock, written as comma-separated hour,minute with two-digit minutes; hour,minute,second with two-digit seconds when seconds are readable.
8,50
